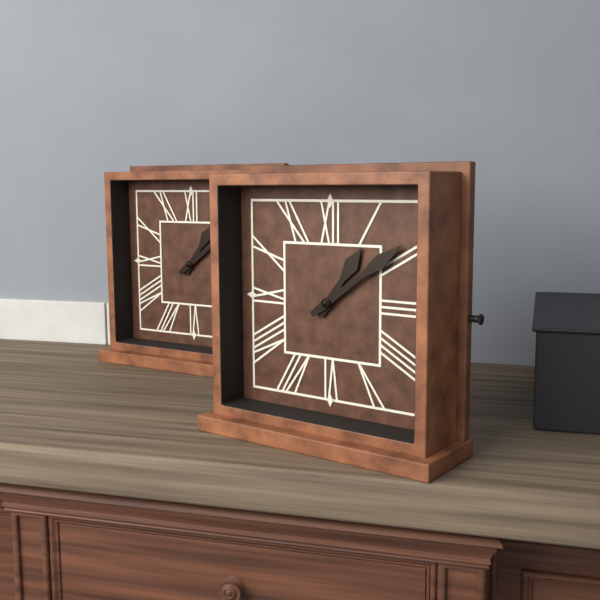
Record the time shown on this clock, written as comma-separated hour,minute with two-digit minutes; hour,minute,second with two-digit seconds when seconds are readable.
1,09
